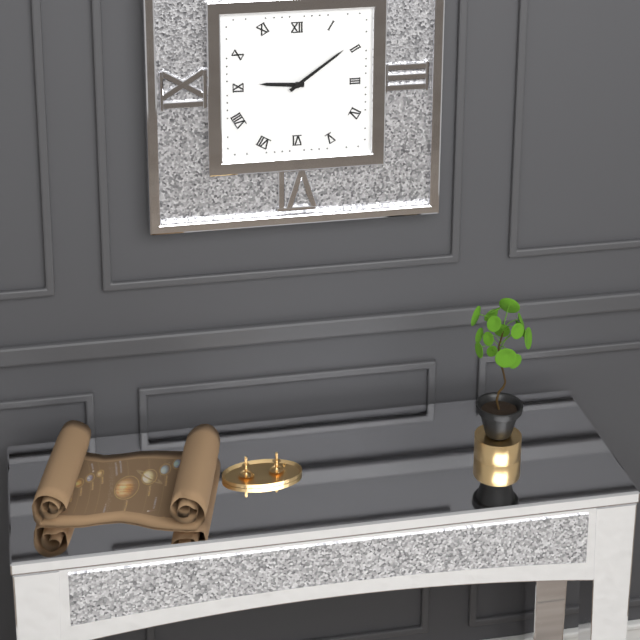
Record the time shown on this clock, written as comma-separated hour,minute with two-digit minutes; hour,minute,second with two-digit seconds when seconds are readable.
9,09
